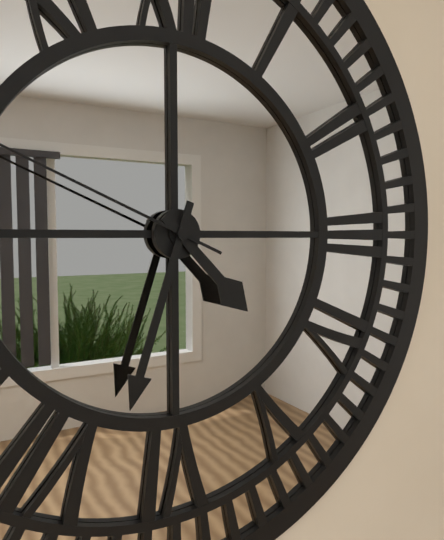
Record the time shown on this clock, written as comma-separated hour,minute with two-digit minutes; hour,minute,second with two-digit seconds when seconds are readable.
4,33
